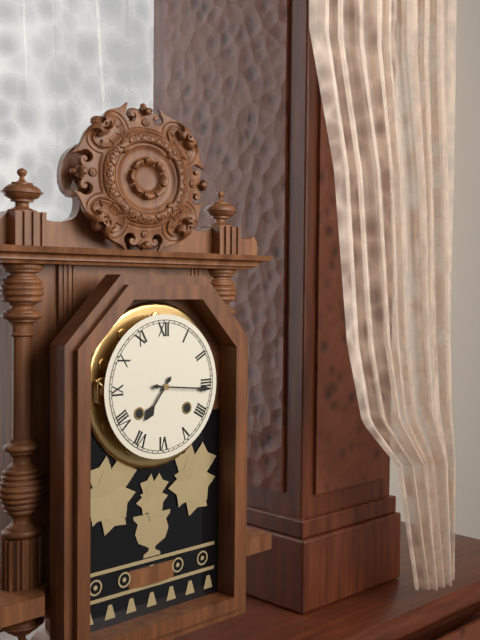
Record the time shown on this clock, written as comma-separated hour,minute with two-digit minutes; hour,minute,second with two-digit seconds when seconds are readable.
7,16
